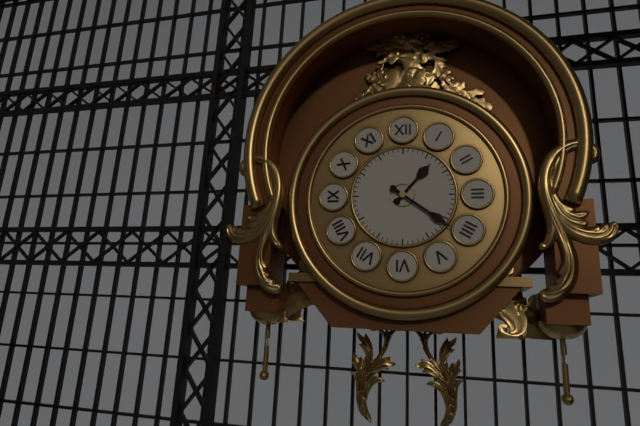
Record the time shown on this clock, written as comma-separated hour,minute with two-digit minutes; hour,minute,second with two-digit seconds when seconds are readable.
1,21
